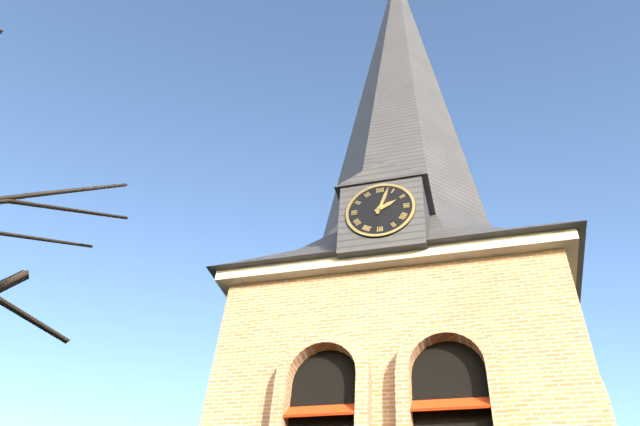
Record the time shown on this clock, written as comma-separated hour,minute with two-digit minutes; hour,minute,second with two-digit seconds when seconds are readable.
2,03
